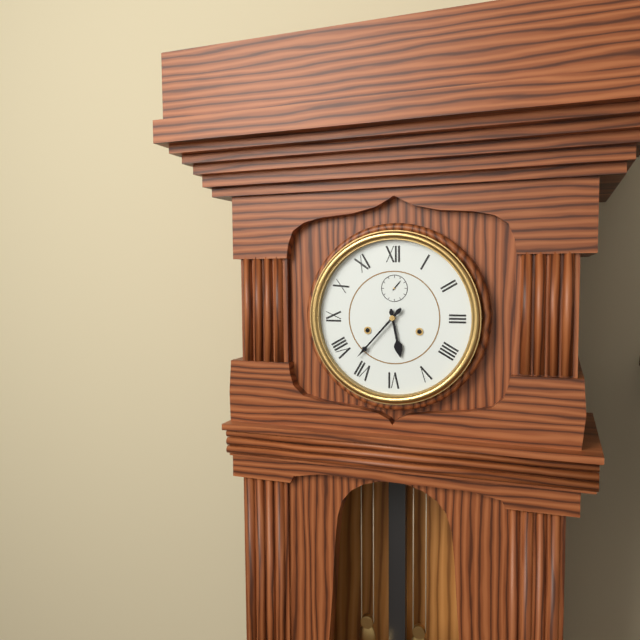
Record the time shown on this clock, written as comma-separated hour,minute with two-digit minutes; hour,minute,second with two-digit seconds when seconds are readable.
5,37
